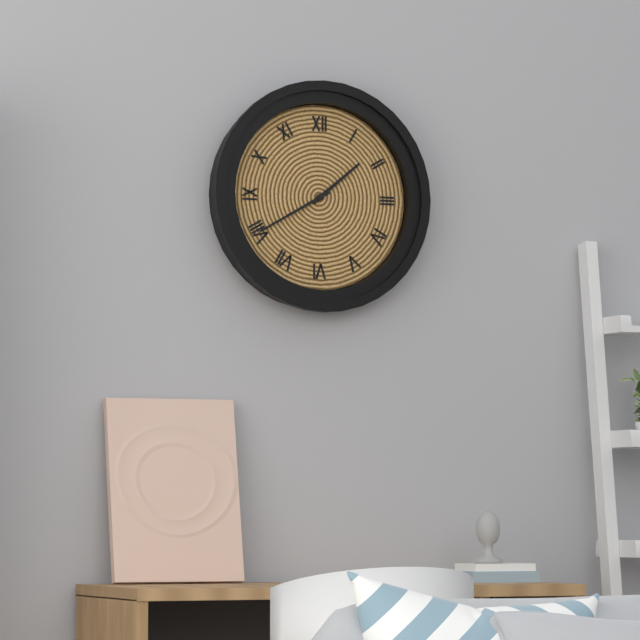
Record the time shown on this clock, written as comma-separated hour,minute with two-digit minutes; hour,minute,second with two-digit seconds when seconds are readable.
1,40
